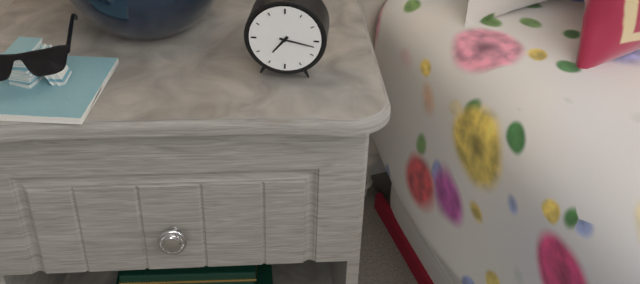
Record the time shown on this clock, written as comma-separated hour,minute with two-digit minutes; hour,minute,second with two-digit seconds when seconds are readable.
7,17
